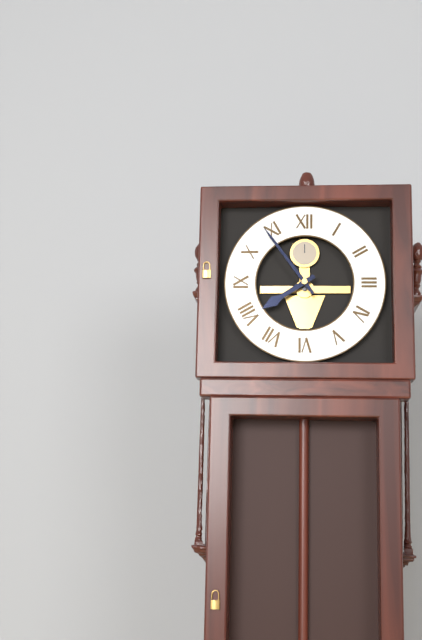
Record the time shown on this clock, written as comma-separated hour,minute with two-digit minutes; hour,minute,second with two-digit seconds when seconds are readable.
7,54
